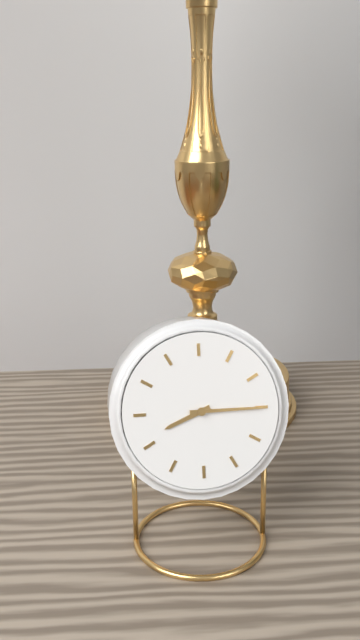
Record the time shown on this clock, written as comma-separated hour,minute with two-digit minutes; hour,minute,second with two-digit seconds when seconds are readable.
8,15
